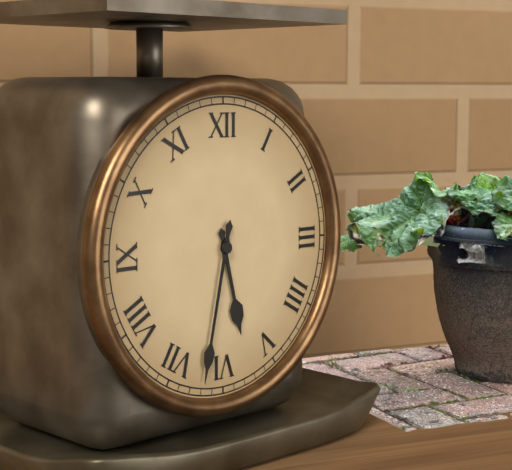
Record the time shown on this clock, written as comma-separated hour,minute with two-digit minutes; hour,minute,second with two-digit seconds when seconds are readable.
5,32
